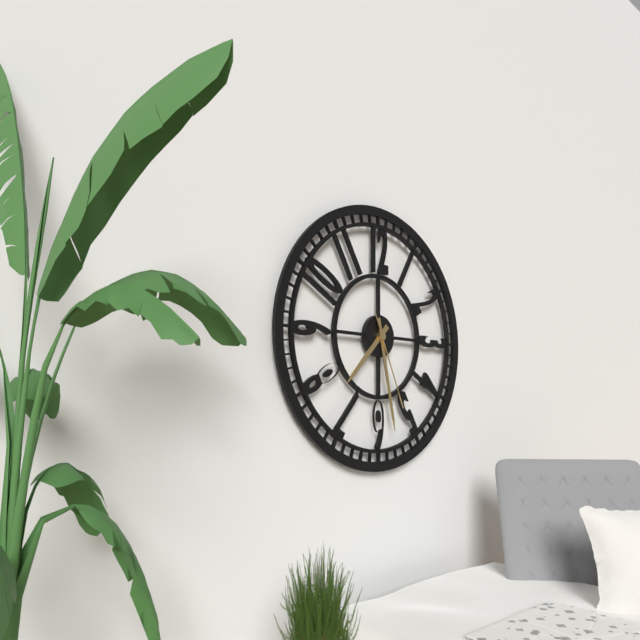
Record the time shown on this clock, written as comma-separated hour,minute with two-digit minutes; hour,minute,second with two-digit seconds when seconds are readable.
7,28,26
